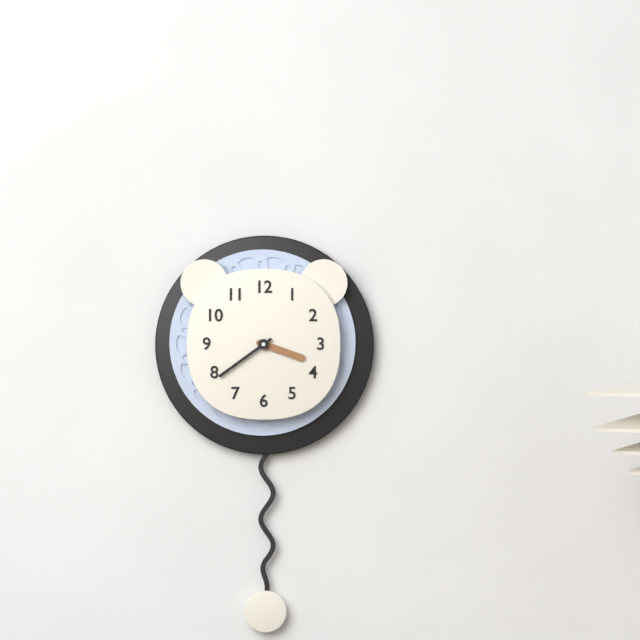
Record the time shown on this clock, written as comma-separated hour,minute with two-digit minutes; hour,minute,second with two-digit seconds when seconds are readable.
3,39
